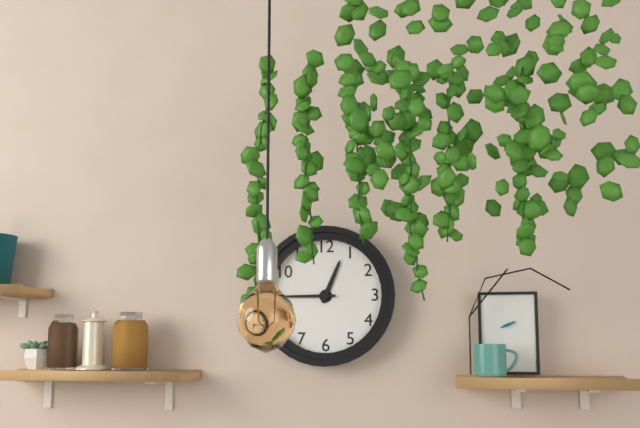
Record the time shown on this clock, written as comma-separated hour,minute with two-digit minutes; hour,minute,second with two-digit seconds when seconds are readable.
12,45
